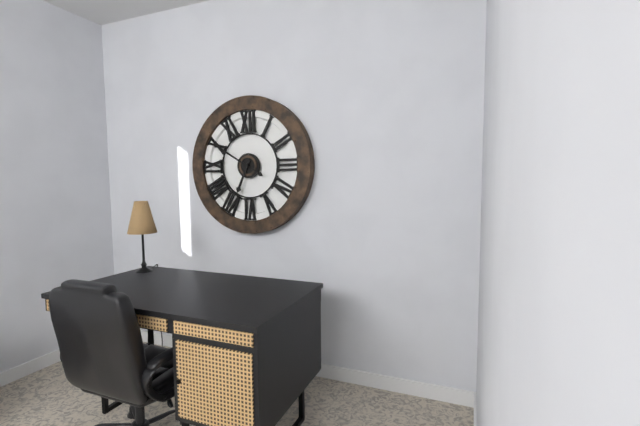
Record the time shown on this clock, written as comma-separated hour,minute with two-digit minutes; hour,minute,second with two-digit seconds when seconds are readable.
6,50
